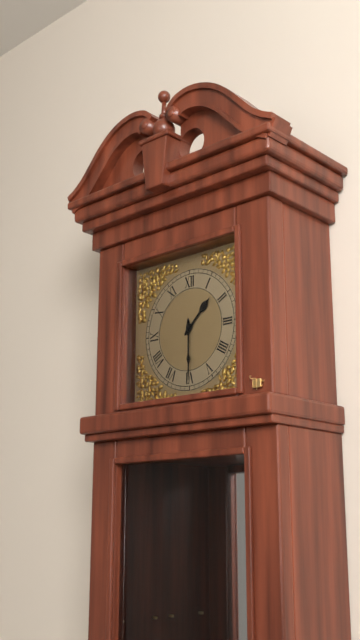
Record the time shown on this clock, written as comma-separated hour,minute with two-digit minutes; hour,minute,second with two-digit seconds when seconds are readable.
1,30
